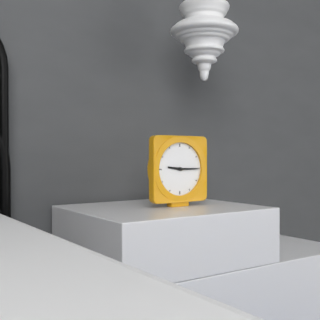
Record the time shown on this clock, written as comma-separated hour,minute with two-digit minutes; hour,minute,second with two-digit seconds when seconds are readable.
9,15
